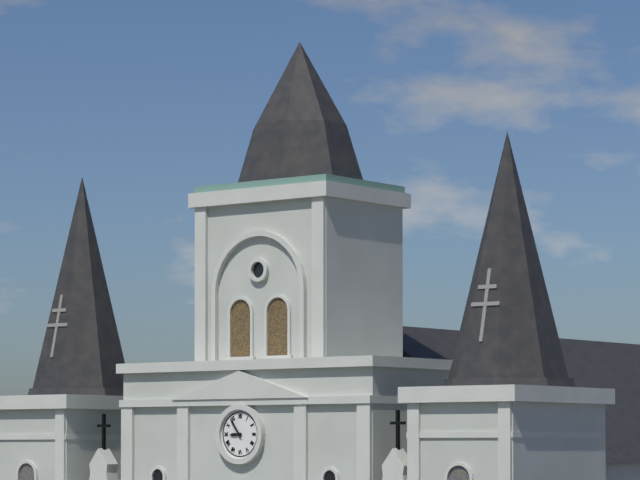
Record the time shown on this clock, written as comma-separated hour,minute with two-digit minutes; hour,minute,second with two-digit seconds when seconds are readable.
8,54
